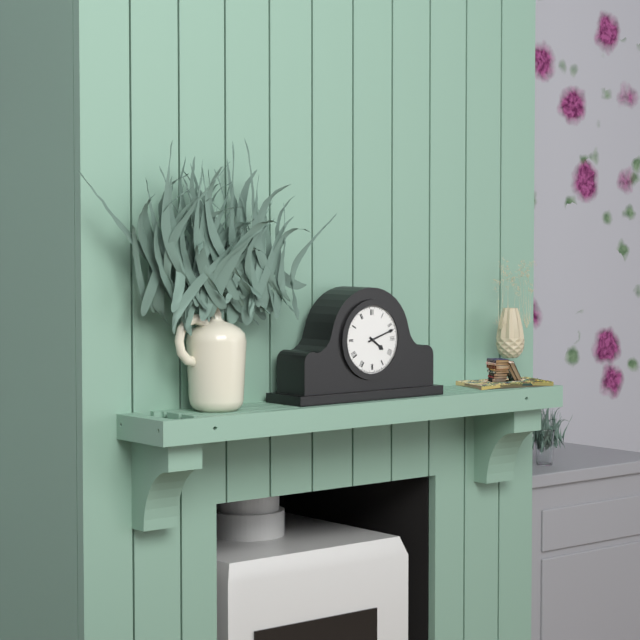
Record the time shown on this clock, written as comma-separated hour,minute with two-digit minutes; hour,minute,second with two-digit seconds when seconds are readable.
4,12
